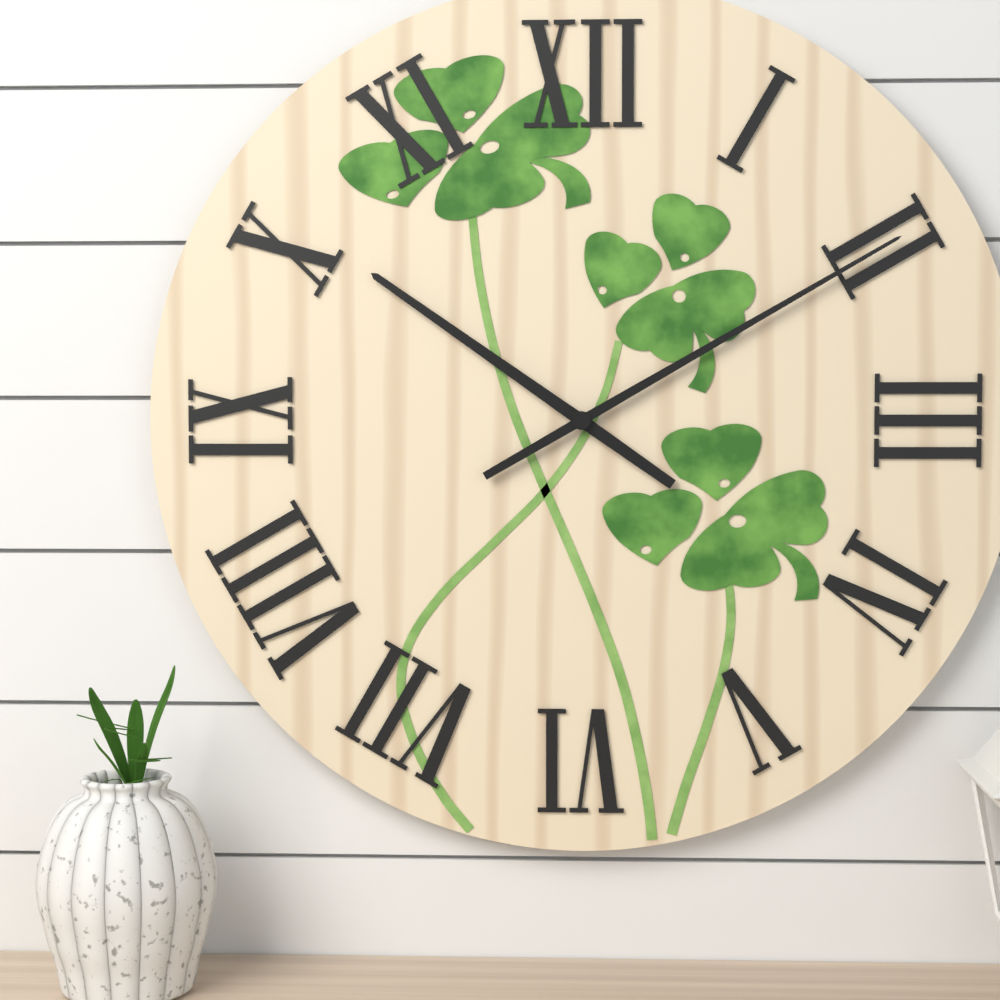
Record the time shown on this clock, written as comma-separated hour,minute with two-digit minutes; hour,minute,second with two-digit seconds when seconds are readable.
10,10
